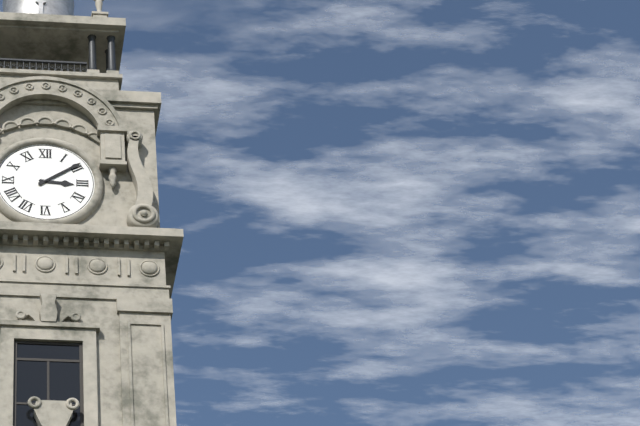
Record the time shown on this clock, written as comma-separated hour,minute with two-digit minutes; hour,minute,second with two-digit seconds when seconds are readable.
3,09
